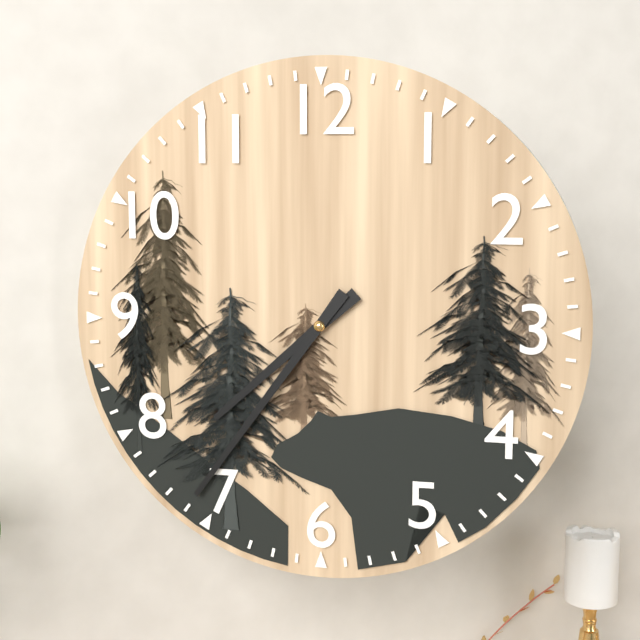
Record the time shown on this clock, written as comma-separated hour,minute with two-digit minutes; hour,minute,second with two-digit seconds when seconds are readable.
7,36
